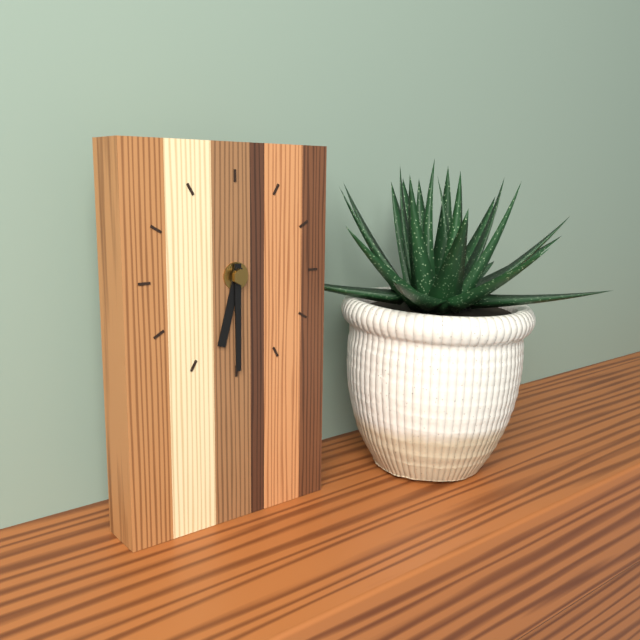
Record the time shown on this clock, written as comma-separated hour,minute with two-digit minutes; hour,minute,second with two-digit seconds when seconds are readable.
6,30
